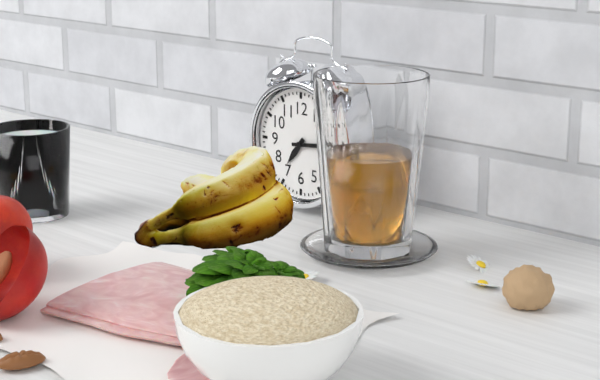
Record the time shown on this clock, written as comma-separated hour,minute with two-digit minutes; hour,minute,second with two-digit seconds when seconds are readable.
7,14
